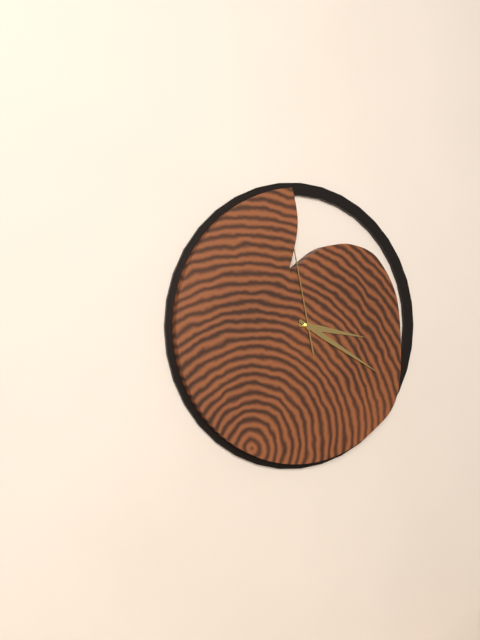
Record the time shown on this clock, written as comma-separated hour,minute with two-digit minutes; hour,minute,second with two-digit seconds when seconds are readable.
3,20,58
